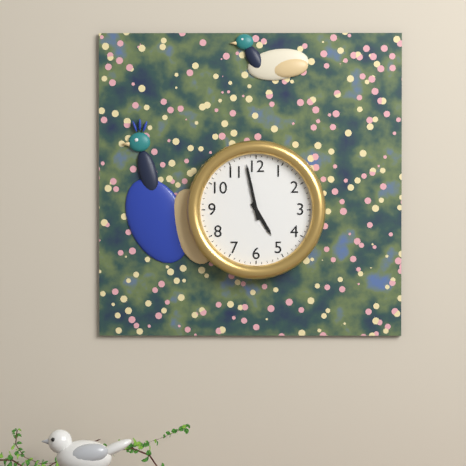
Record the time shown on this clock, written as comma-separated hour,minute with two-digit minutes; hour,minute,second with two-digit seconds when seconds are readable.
4,58
